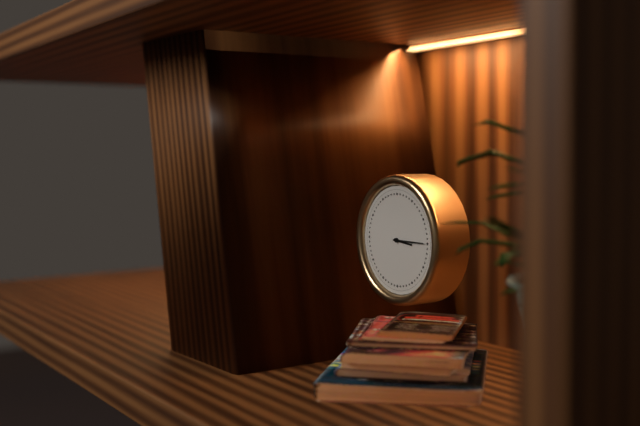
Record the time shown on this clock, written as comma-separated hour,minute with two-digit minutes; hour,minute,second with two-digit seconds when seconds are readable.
3,15
